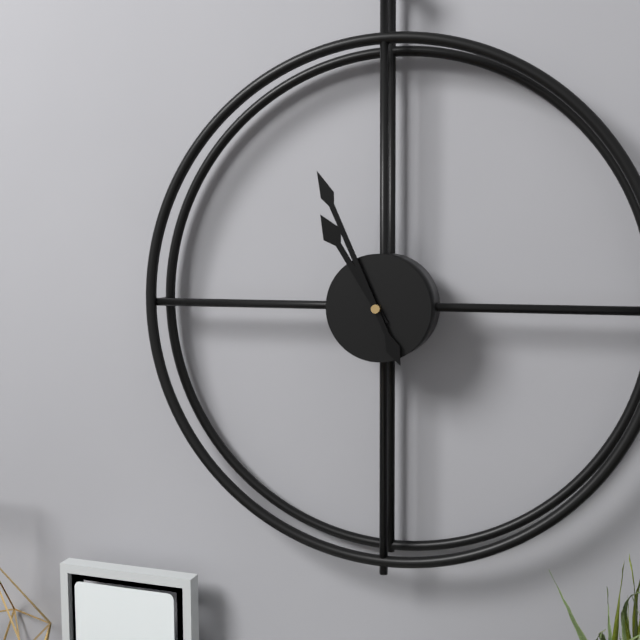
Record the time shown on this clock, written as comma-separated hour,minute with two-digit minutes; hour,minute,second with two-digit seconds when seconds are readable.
10,56
